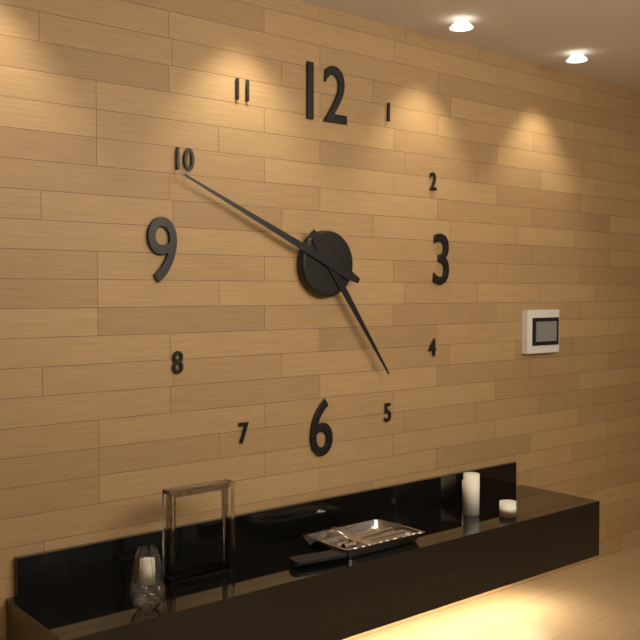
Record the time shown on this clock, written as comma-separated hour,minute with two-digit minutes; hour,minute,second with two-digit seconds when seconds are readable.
4,49
